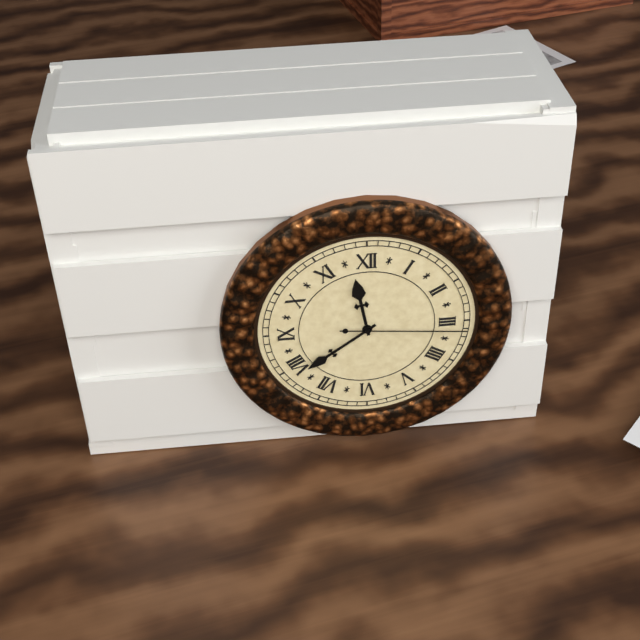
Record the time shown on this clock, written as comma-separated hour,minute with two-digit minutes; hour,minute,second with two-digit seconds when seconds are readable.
11,39,16
